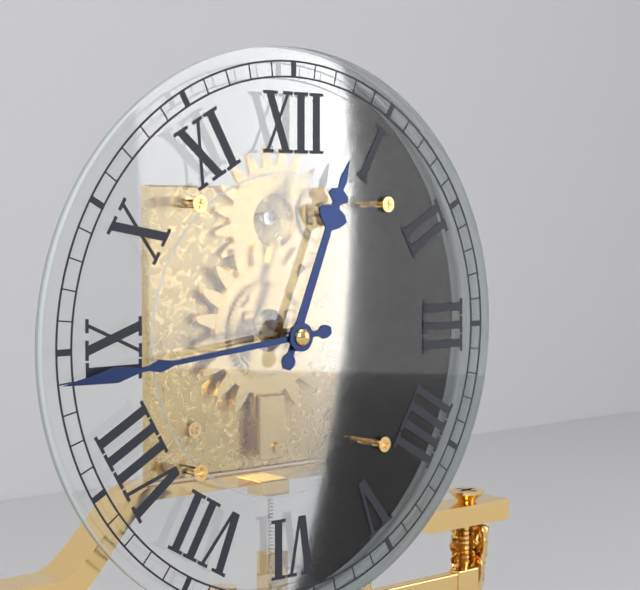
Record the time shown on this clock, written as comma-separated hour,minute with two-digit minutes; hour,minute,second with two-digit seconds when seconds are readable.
12,44
